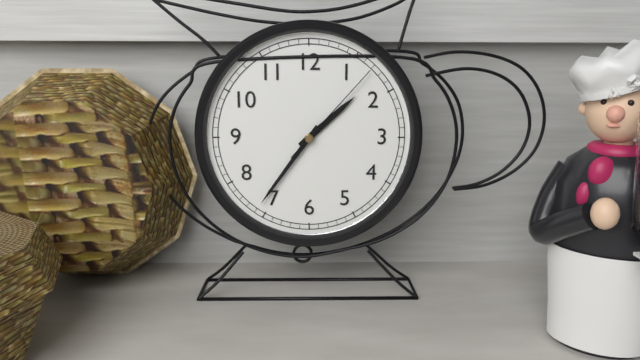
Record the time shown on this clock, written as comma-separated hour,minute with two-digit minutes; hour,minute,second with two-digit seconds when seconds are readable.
1,36,07
